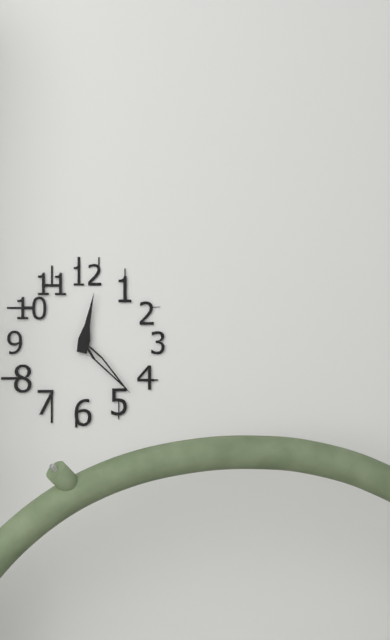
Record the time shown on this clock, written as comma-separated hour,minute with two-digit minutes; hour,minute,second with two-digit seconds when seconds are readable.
12,23
